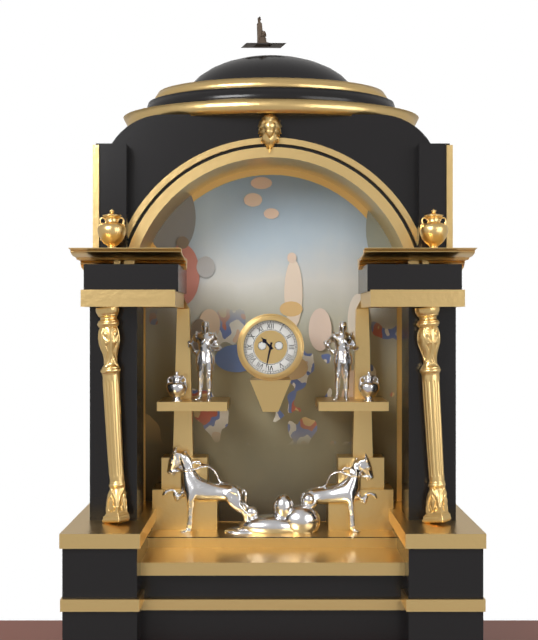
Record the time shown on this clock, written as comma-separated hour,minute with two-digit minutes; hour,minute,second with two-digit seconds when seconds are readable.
10,32
